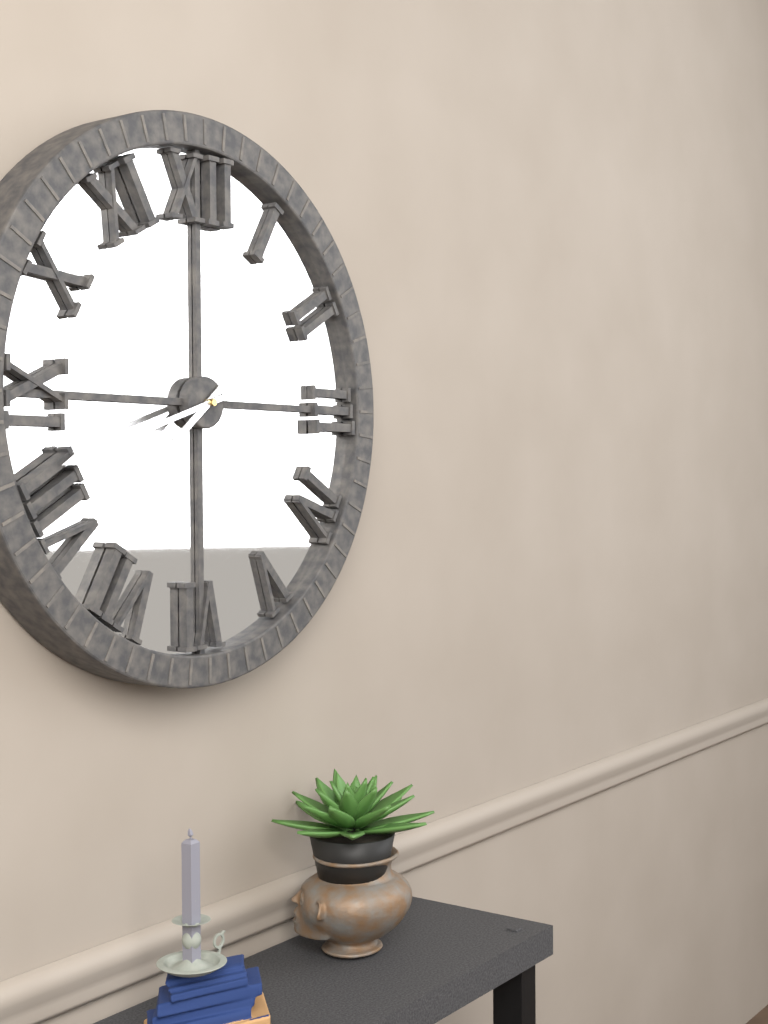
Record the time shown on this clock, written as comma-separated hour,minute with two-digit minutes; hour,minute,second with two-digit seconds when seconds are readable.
7,42
